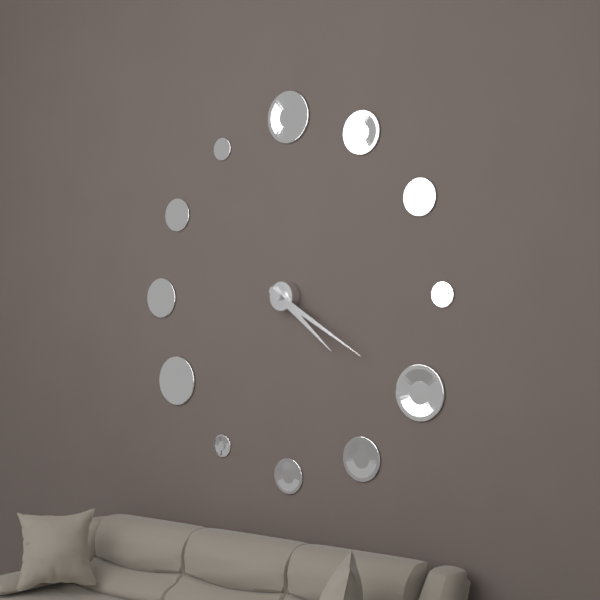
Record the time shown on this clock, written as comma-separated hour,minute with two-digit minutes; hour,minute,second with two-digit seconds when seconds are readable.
4,20
